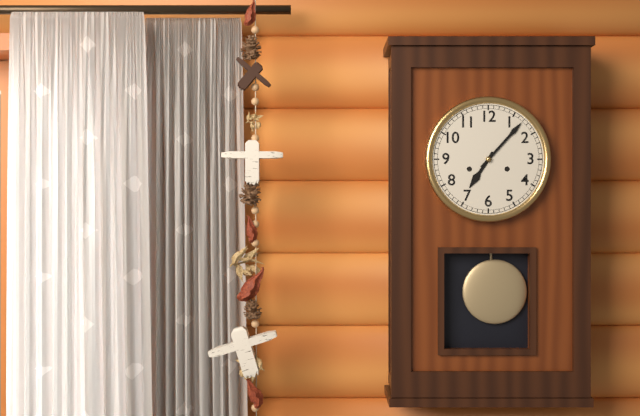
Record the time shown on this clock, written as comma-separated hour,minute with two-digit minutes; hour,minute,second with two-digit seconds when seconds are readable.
7,07
